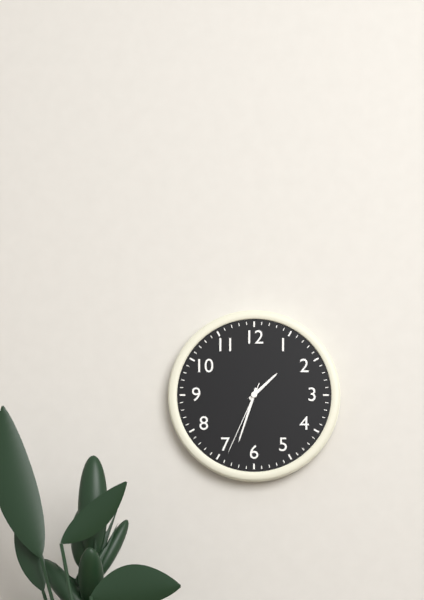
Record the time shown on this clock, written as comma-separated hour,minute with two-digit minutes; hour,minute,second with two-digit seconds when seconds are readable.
1,33,34
